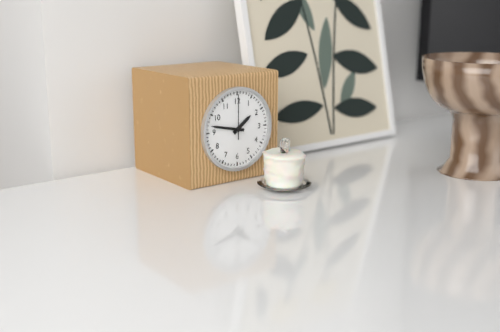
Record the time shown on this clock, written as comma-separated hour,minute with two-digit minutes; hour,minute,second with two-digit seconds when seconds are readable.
1,47
